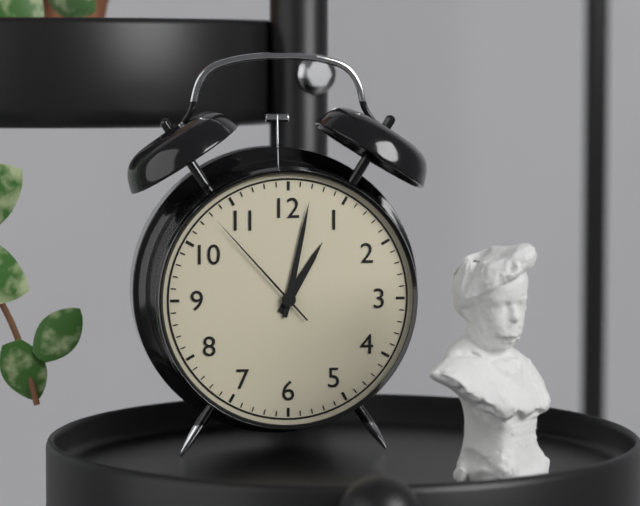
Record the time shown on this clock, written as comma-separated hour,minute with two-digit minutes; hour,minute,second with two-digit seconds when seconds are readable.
1,02,53
